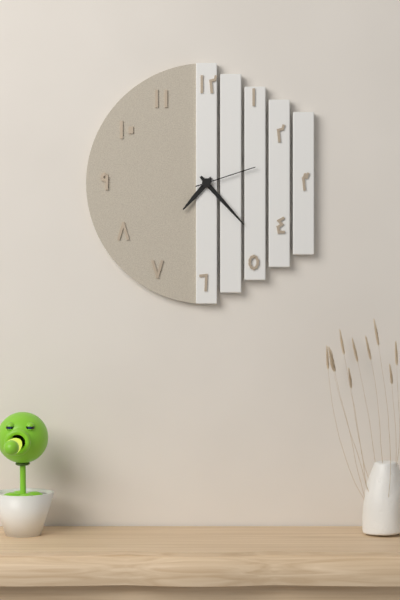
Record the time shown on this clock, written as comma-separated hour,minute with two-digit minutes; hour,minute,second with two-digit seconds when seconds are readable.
7,23,12
